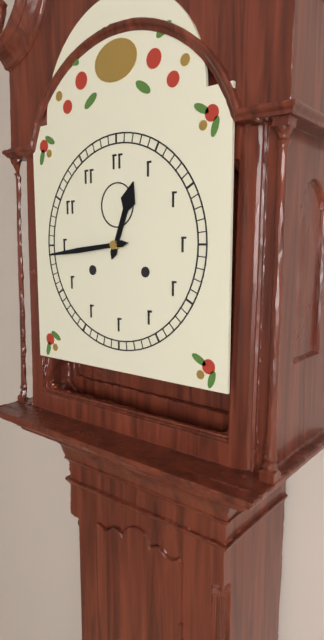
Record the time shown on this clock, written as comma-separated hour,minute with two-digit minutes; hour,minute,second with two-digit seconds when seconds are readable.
12,44
